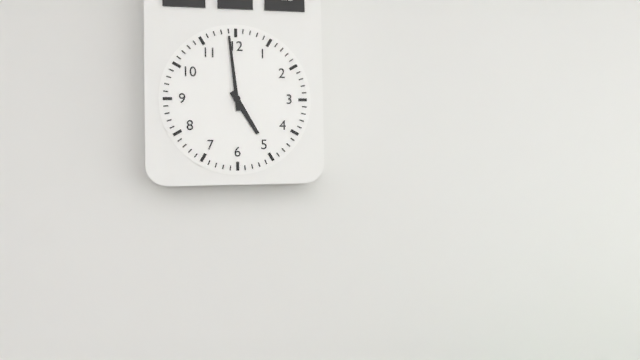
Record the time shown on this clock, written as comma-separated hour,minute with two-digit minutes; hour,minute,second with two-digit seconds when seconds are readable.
4,59
